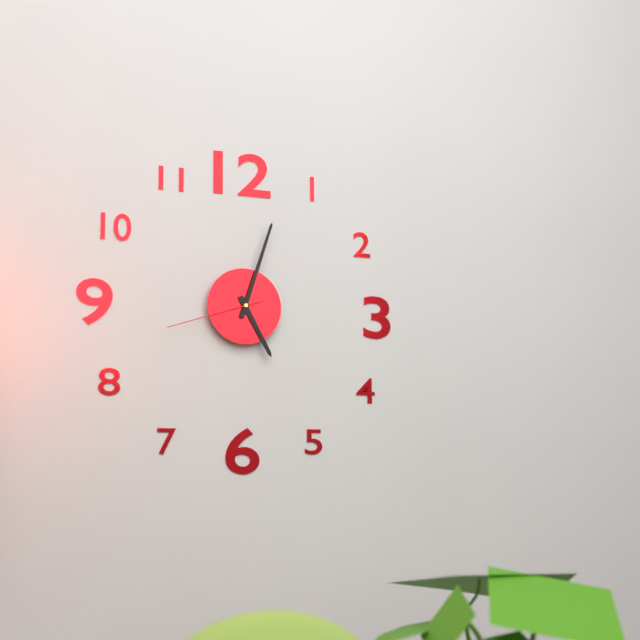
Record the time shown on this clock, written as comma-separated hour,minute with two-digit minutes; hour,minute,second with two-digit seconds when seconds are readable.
5,03,42
